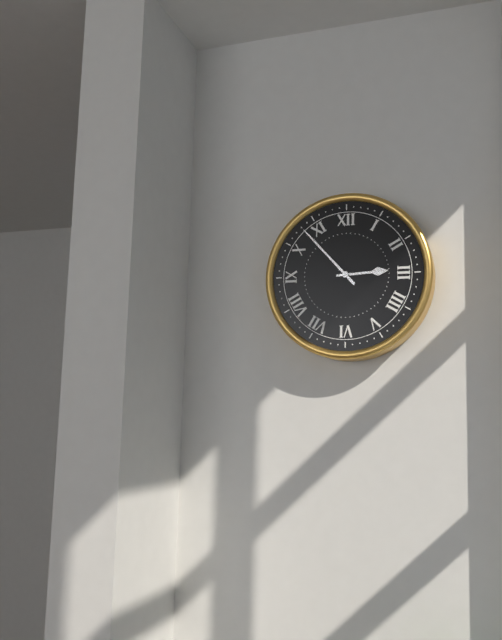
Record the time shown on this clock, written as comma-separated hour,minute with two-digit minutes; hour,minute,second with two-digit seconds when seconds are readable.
2,53
